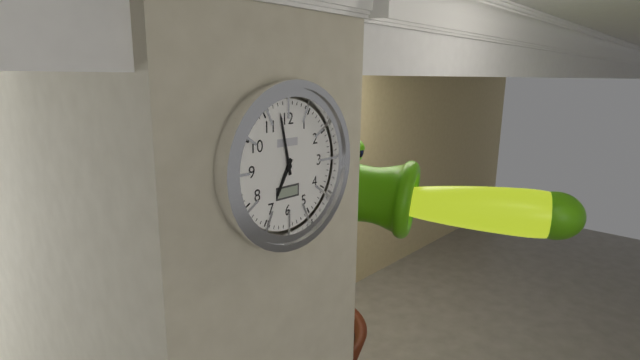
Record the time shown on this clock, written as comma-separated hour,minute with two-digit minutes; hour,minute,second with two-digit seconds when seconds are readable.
6,58
